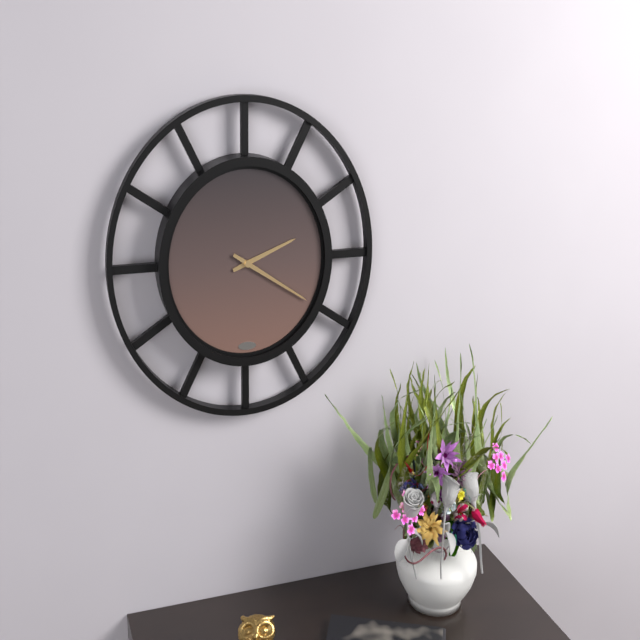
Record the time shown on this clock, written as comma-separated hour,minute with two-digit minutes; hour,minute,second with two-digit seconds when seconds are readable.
2,20
